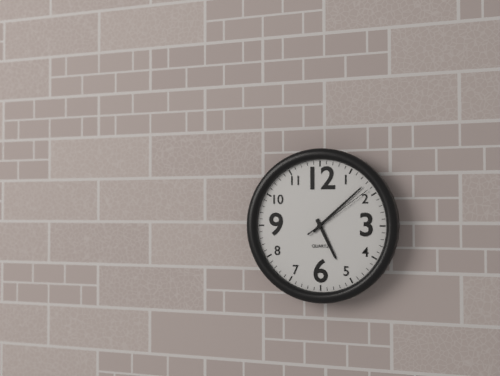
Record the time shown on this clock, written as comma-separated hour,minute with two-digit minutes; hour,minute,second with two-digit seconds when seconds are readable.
5,08,09
